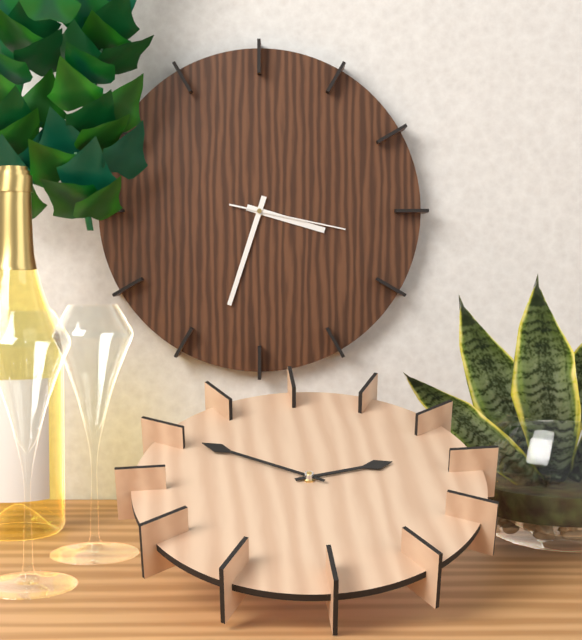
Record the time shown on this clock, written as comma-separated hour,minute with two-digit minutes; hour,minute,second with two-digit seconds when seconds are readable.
3,33,17
